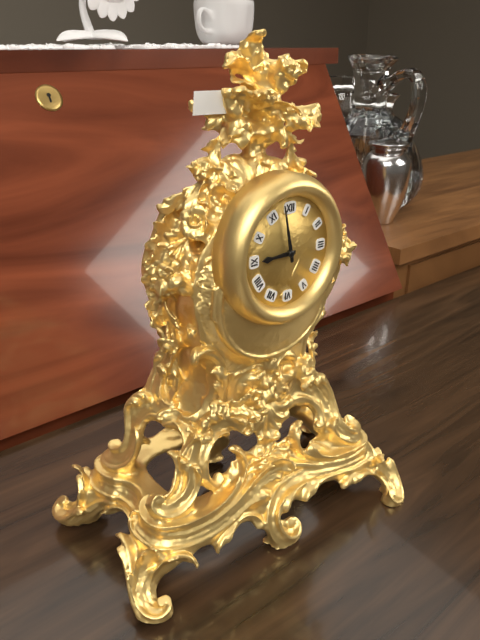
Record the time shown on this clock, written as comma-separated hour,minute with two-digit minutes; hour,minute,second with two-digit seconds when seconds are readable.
8,58
